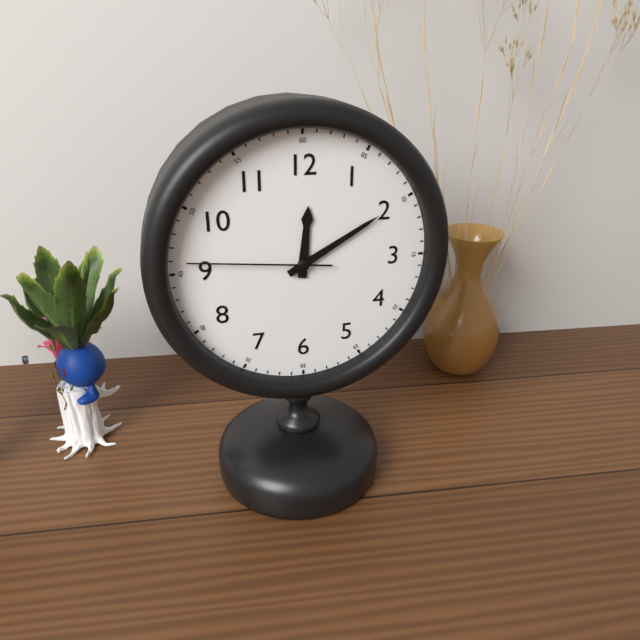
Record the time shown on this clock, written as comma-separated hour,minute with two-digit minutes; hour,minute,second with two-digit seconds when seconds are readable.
12,10,46
